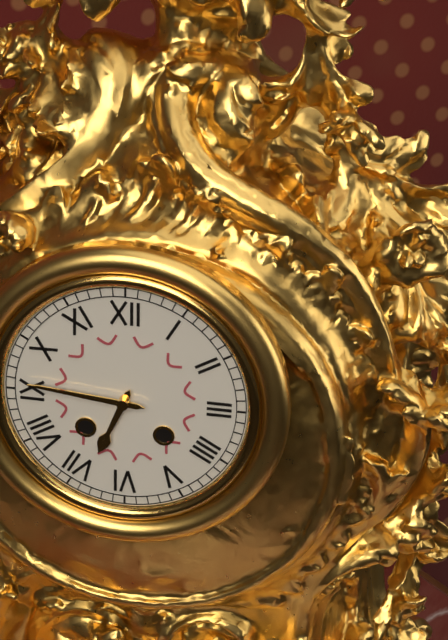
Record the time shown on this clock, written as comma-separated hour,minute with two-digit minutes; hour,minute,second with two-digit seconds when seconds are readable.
6,46
